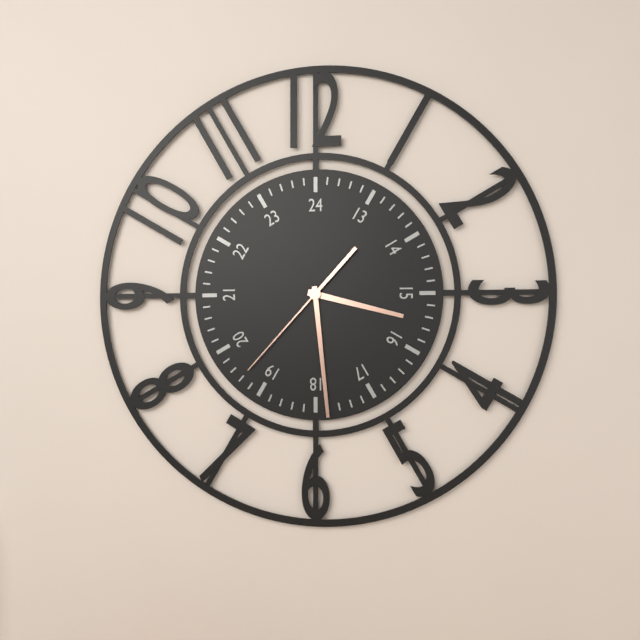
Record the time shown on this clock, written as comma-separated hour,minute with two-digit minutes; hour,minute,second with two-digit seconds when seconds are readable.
3,29,37
